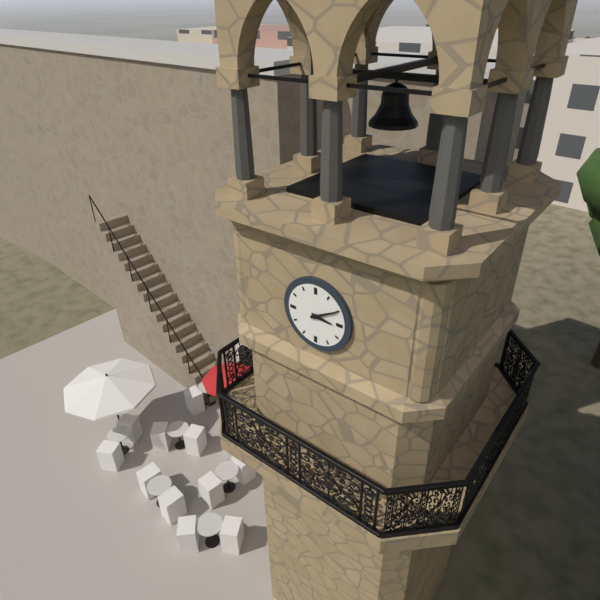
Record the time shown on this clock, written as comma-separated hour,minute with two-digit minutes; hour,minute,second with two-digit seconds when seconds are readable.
3,10
